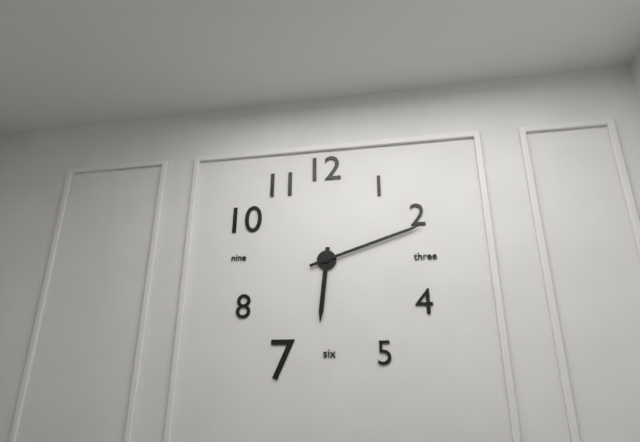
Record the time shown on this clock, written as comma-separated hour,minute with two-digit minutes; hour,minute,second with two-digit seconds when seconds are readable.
6,12
